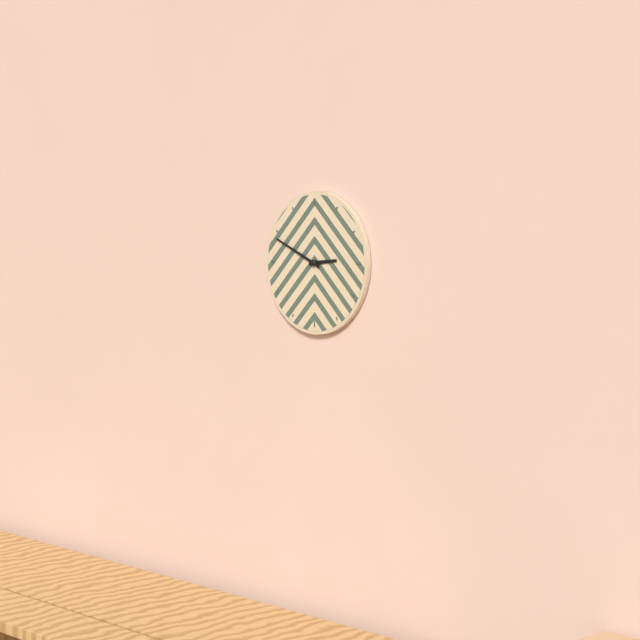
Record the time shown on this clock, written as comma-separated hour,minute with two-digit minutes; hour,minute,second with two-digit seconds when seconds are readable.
2,49
